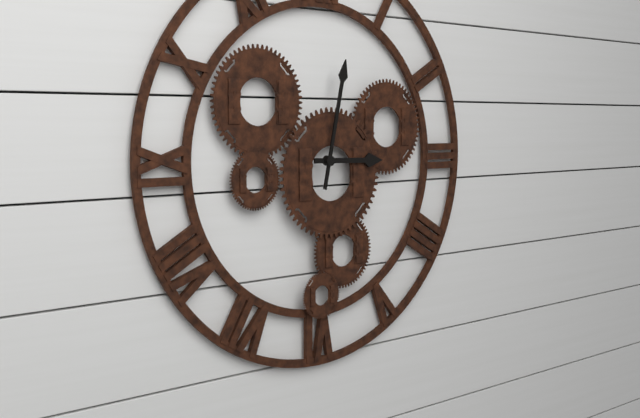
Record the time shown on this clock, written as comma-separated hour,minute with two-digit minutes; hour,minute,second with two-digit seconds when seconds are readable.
3,02
